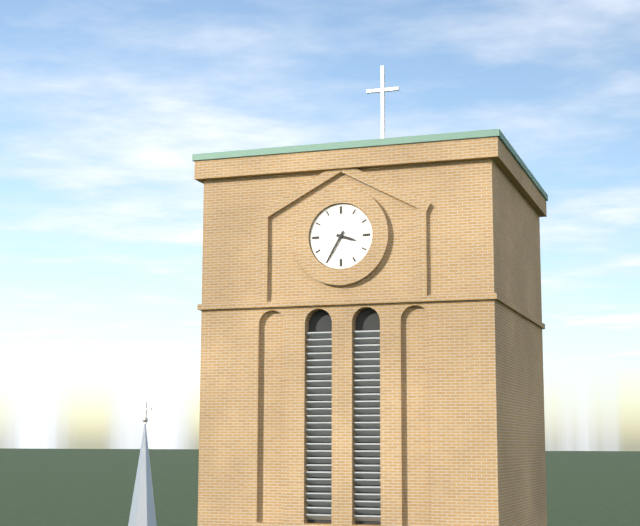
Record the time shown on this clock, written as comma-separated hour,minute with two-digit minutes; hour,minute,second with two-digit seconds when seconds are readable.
3,35
